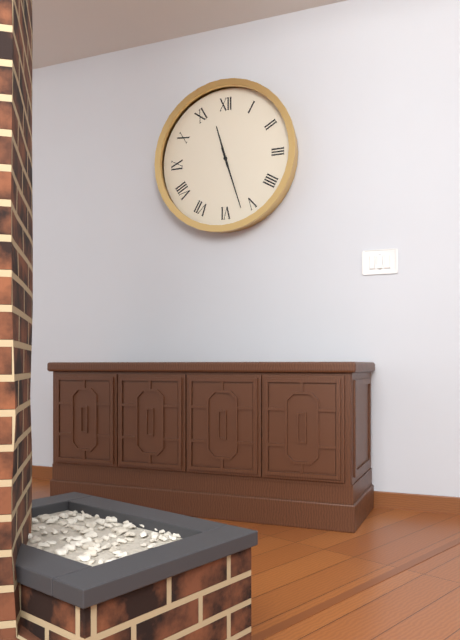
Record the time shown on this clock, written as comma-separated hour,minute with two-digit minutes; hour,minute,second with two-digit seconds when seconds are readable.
11,27
